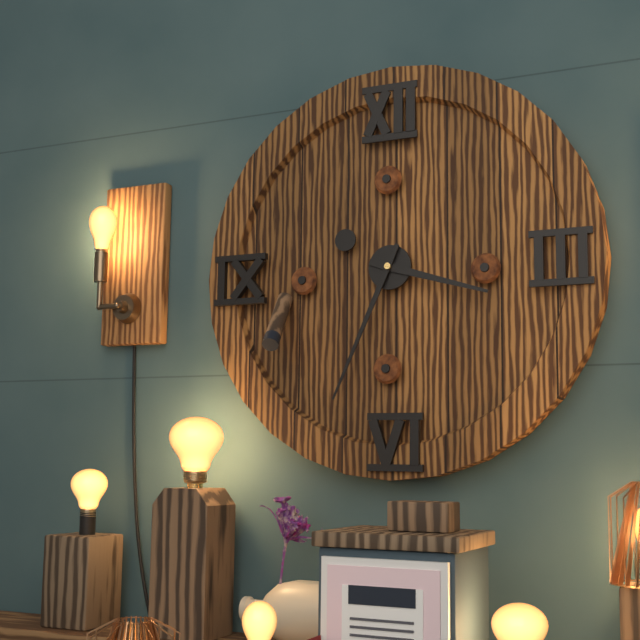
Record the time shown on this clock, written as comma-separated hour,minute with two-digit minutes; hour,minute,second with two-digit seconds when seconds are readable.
3,34
